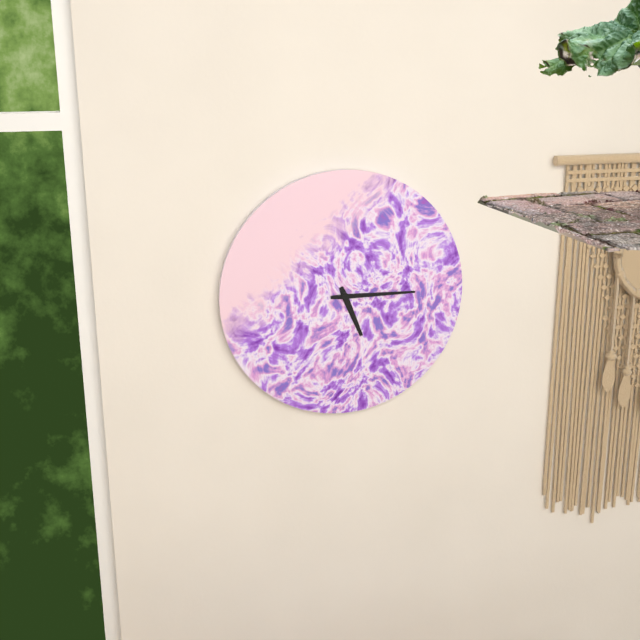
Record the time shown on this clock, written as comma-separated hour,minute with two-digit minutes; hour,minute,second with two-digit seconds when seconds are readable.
5,15
